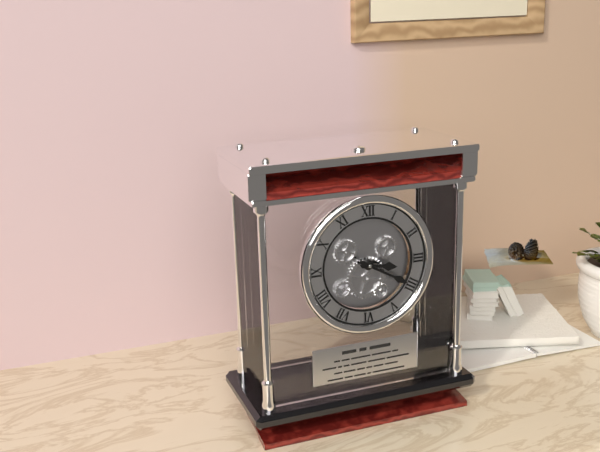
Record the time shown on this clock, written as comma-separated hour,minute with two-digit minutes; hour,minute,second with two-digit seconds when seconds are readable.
3,20
